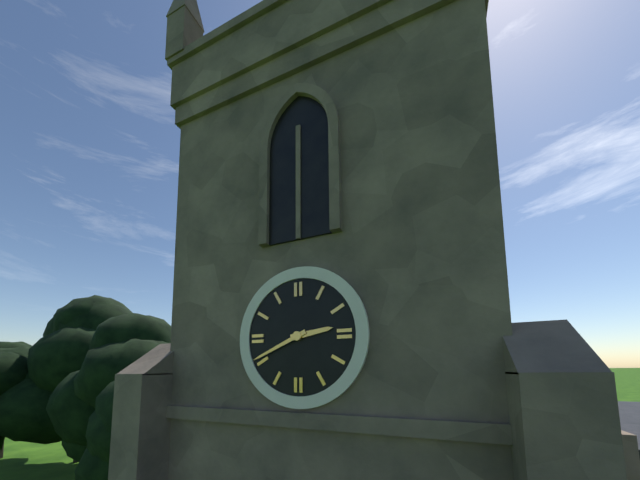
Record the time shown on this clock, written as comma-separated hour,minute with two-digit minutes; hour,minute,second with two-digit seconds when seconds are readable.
2,41
